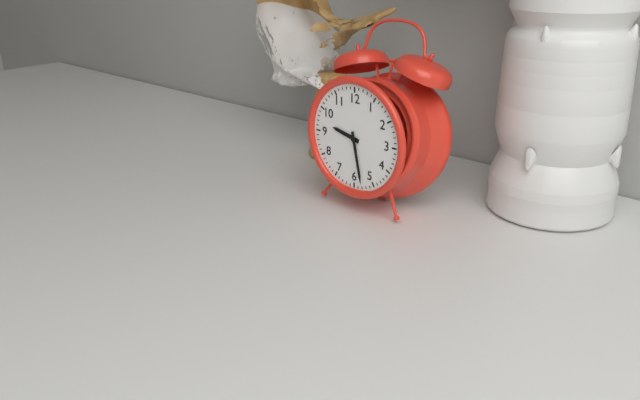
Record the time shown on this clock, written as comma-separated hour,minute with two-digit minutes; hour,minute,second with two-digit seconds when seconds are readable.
9,28
